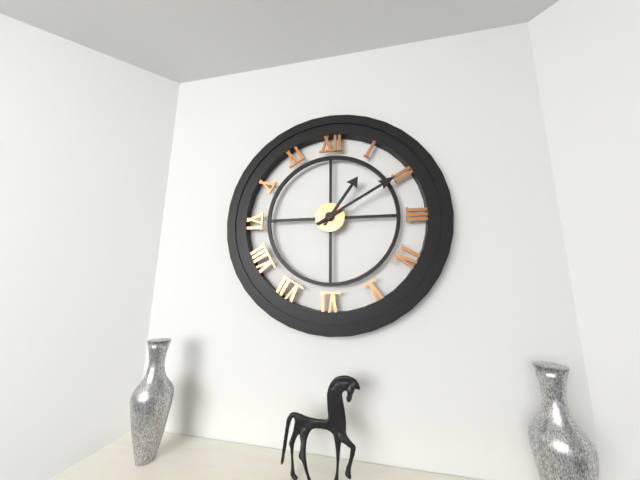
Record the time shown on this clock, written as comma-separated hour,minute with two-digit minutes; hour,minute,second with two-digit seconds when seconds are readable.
1,10
